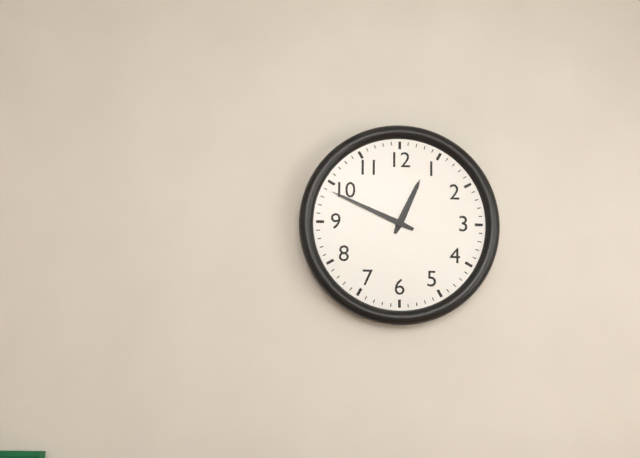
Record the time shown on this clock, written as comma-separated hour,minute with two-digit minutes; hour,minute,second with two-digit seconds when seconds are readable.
12,49
